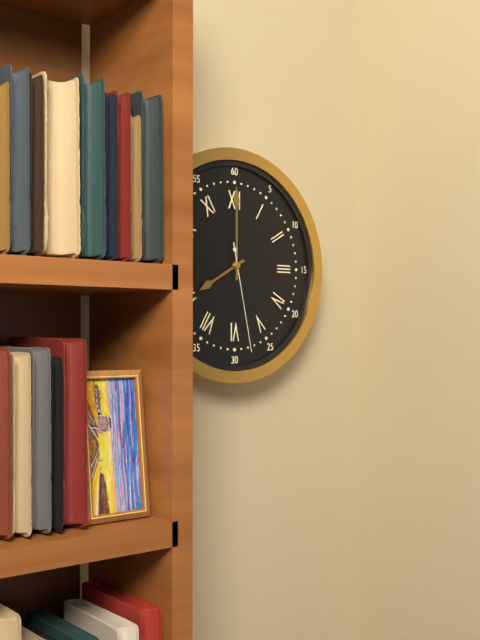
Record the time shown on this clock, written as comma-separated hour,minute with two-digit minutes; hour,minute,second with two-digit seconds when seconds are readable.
8,00,28
